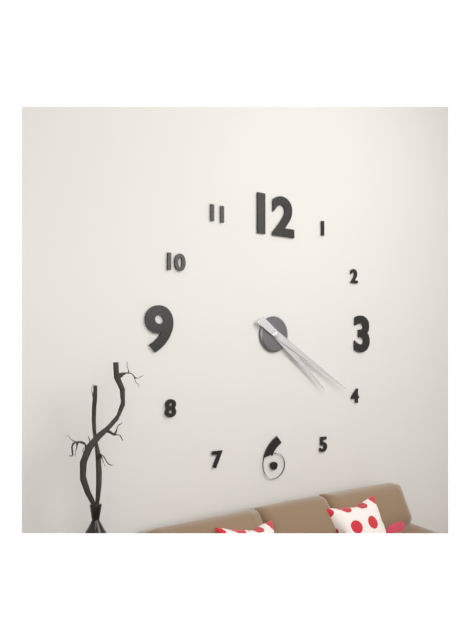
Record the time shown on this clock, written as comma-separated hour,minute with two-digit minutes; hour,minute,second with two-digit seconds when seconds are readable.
4,20
